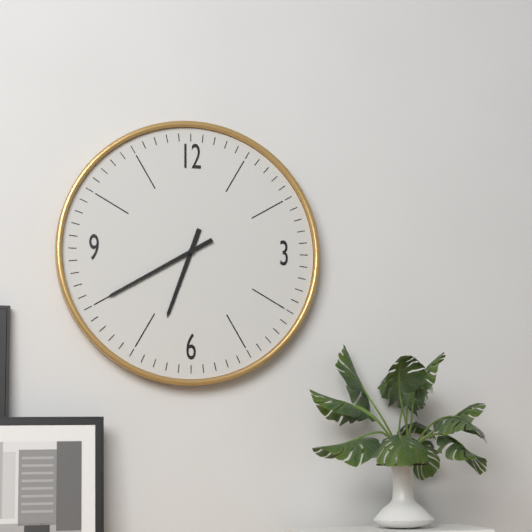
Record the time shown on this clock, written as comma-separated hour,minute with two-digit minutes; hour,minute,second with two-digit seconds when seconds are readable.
6,40
